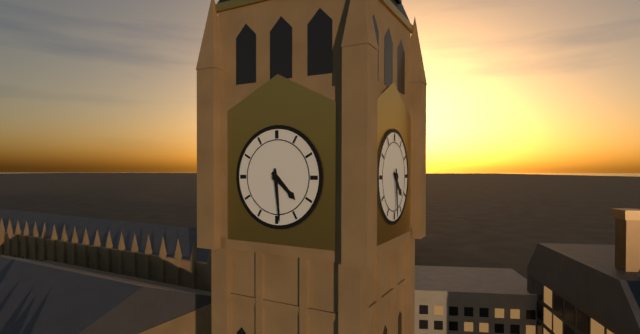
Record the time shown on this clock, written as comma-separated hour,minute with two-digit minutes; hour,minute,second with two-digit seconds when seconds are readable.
4,29
